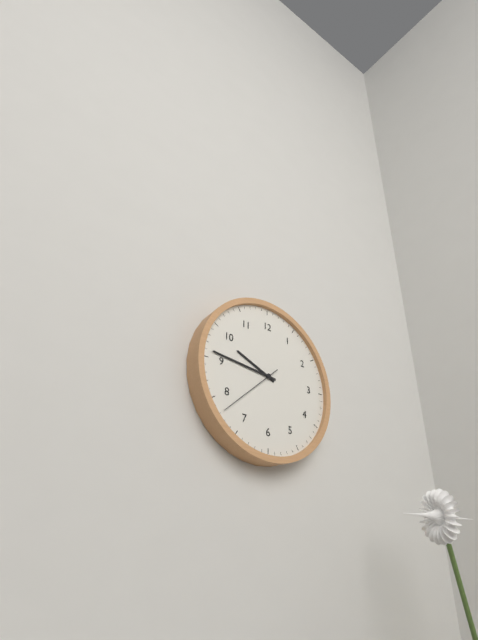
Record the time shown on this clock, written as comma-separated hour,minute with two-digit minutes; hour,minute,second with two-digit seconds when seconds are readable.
9,46,38
